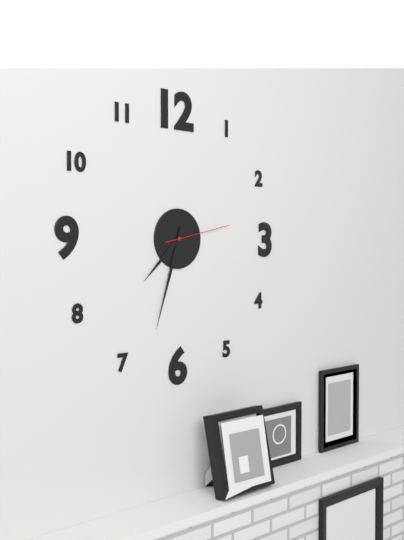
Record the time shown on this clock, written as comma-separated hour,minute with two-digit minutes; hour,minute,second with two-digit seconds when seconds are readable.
7,33,13
